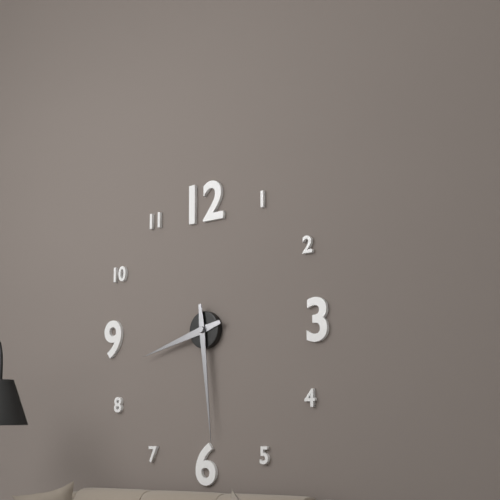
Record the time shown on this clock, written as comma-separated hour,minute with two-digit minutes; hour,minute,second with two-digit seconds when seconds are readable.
8,29
